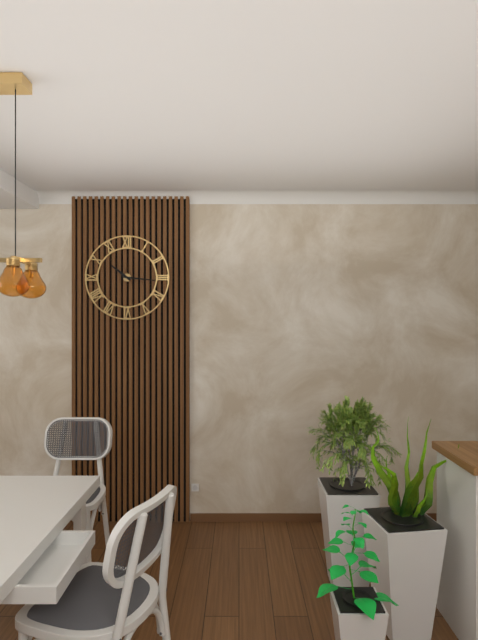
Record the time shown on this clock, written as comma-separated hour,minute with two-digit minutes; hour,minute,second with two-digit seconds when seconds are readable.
10,16
